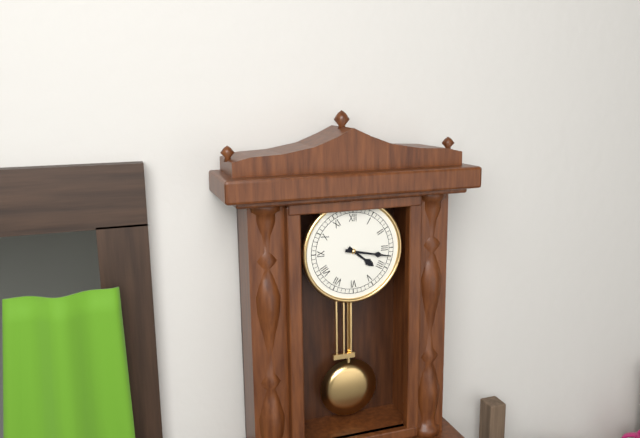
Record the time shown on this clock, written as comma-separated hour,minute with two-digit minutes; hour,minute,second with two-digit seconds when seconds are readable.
4,17
